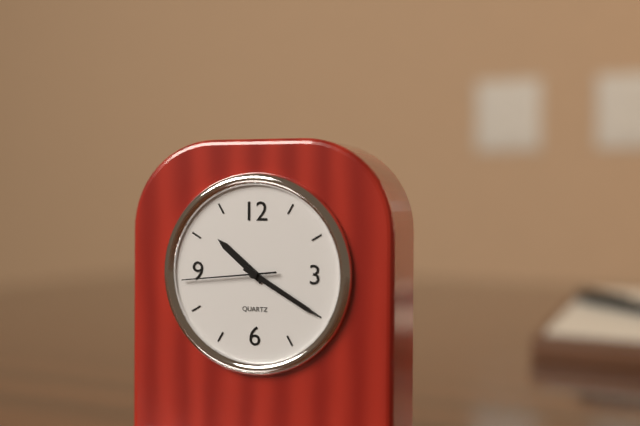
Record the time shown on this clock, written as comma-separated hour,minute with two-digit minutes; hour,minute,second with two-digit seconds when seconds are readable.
10,20,44
